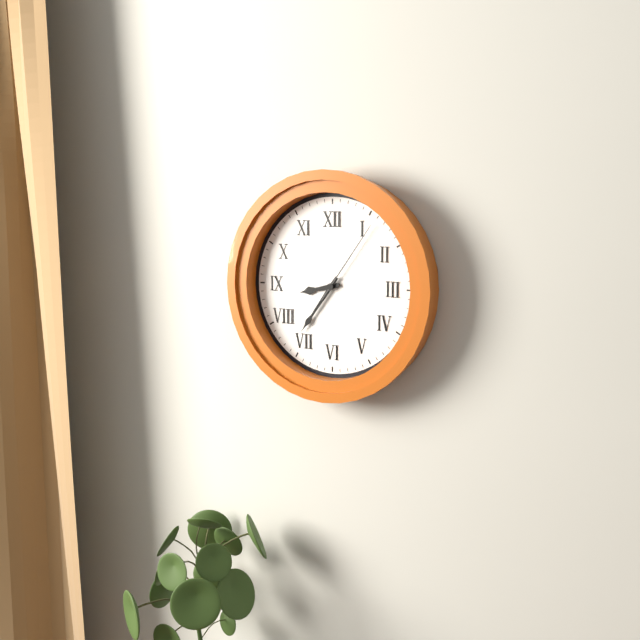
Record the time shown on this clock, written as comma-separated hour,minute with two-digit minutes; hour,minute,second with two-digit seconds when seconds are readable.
8,36,06
